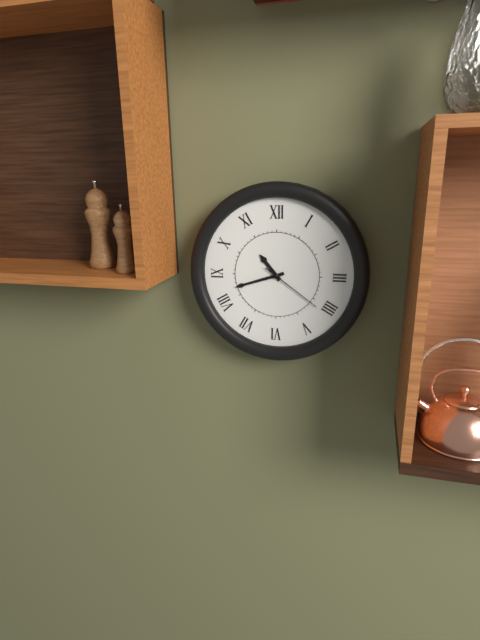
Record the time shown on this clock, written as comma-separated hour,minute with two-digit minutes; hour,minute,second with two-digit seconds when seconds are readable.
10,42,21
